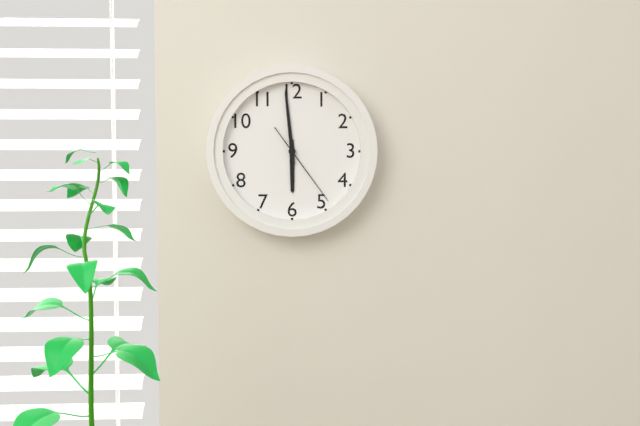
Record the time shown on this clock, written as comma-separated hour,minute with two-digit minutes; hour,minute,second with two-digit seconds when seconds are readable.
5,59,24
